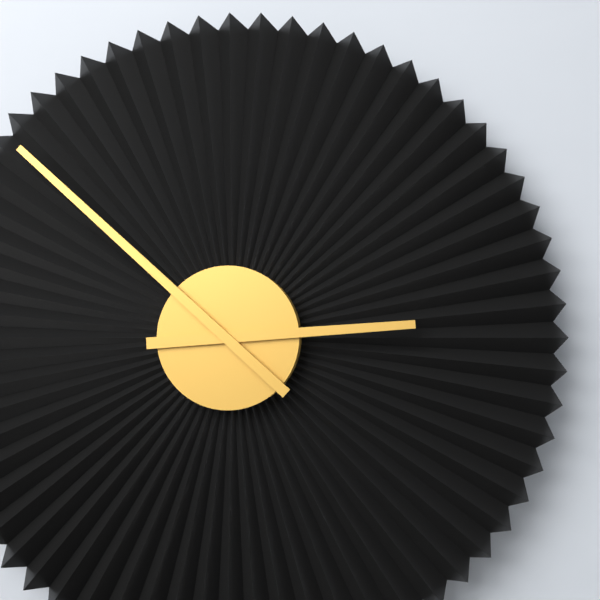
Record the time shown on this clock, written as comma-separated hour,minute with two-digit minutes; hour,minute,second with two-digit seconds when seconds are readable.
2,52
